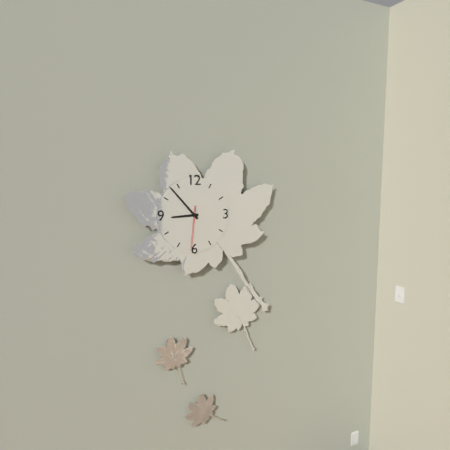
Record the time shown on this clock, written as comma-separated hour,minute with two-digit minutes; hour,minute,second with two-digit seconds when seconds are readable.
8,53
